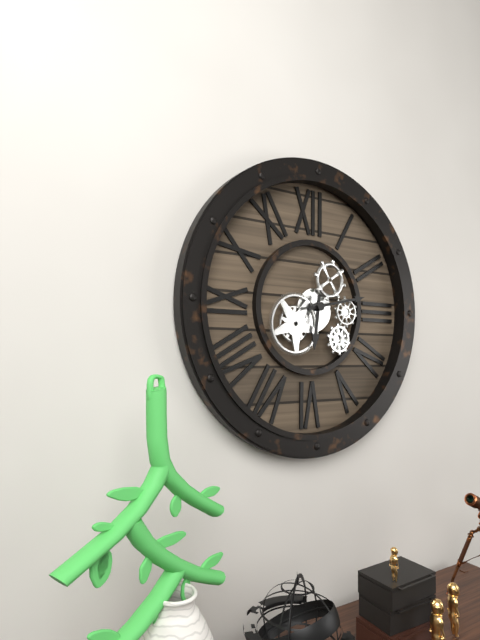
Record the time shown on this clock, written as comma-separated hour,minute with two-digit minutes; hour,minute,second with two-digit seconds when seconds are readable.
6,13
